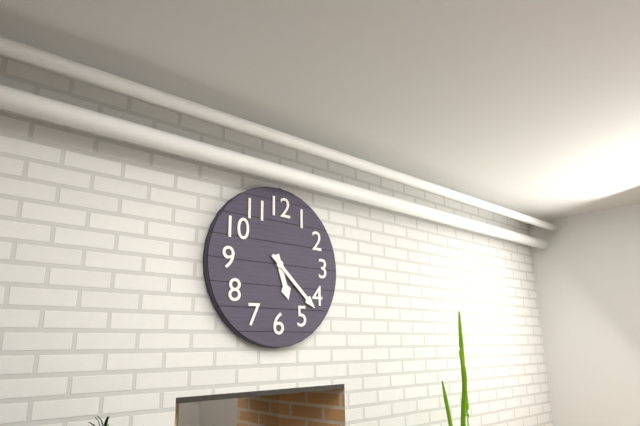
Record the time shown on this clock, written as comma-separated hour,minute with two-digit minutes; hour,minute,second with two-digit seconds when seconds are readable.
5,22
